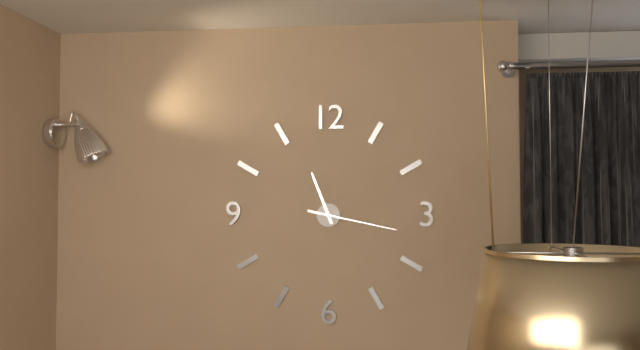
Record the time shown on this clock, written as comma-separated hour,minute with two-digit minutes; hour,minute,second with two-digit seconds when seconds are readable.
11,17
